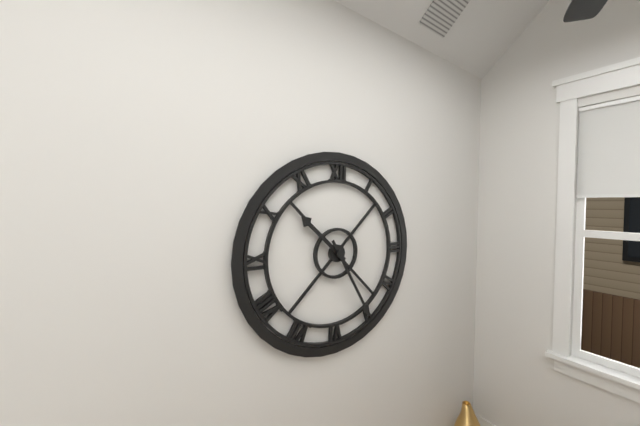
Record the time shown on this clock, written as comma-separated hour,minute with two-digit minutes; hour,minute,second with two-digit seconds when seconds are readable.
10,25
